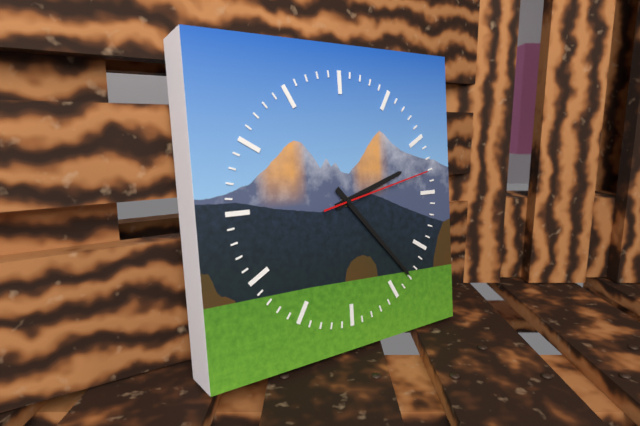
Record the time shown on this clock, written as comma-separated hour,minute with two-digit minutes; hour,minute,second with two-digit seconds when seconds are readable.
2,23,13
